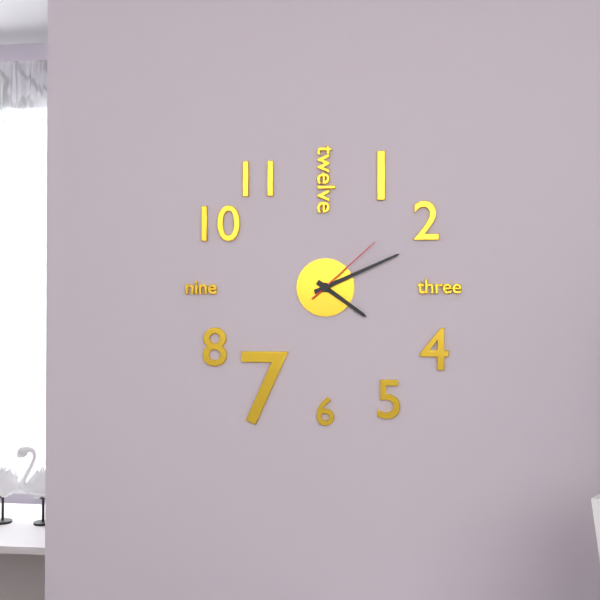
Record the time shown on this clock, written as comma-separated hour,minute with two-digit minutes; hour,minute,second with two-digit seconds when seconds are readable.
4,11,08
